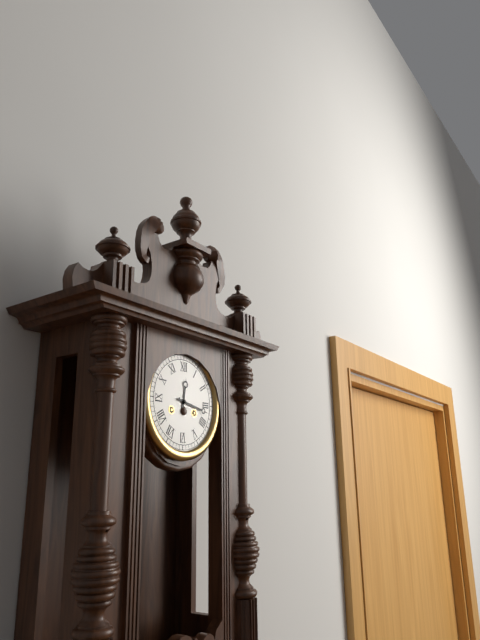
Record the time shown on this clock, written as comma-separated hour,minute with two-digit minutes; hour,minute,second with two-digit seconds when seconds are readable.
12,17
